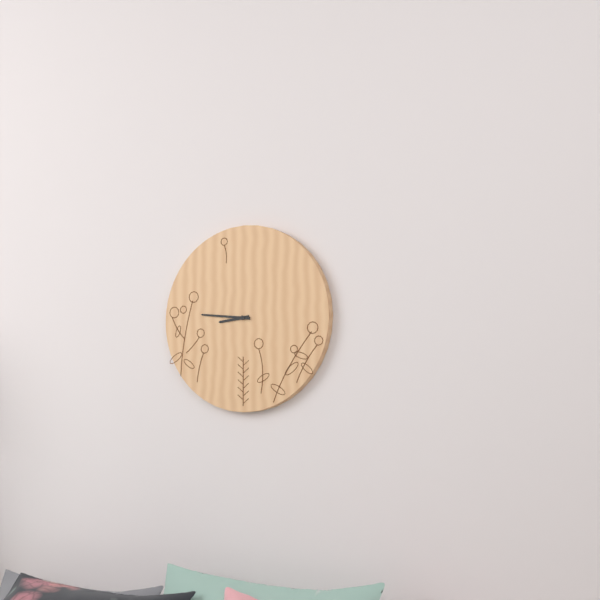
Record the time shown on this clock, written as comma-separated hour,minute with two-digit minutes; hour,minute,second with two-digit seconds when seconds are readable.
8,46
